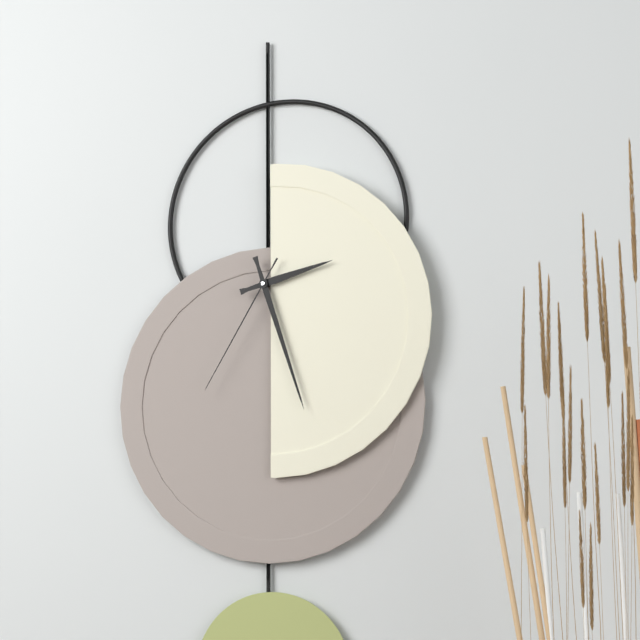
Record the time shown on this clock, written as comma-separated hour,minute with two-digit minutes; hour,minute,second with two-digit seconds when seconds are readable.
2,27,35
